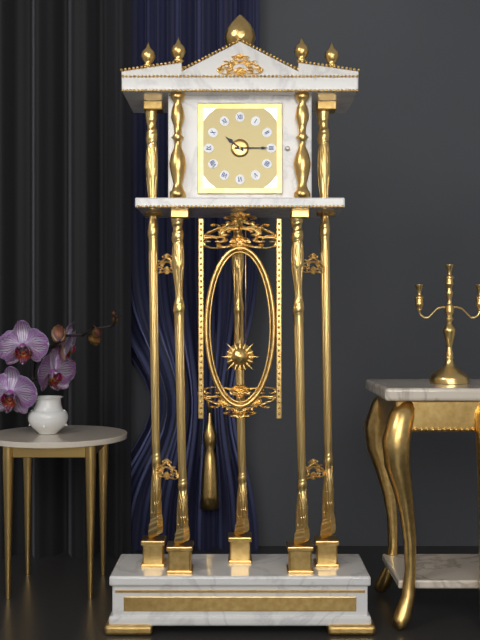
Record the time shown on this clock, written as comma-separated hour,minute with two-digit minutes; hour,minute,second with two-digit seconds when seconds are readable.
10,15
